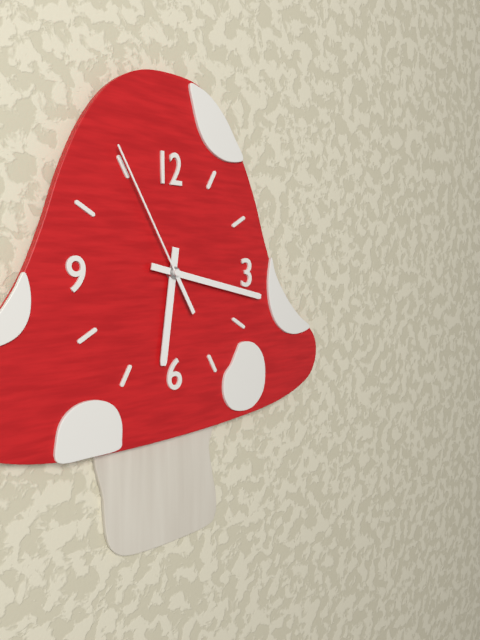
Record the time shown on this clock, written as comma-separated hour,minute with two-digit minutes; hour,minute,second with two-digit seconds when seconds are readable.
6,17,55
